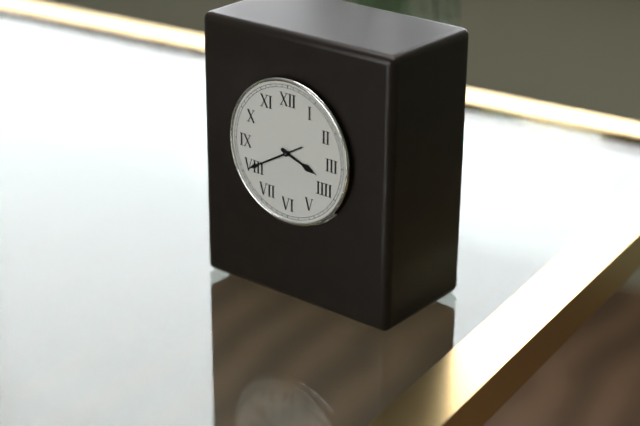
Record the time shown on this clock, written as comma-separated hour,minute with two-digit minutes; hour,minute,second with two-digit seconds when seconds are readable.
3,40
